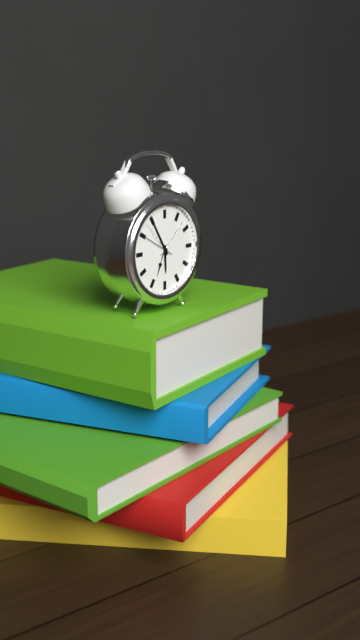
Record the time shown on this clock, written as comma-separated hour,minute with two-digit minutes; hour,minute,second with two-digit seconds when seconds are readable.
5,55
